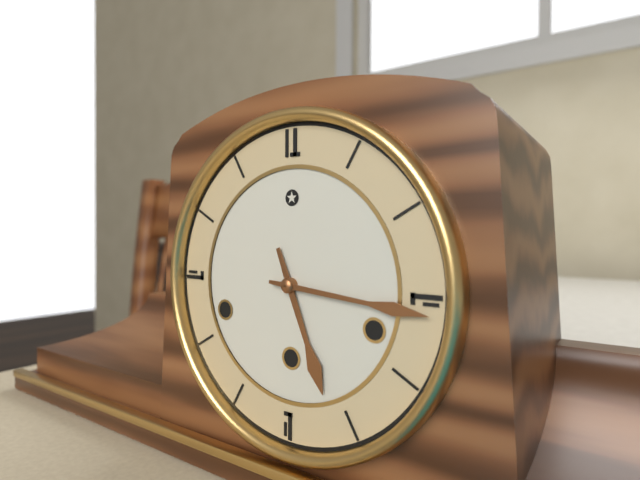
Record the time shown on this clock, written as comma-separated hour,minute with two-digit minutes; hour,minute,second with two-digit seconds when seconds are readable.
5,16
